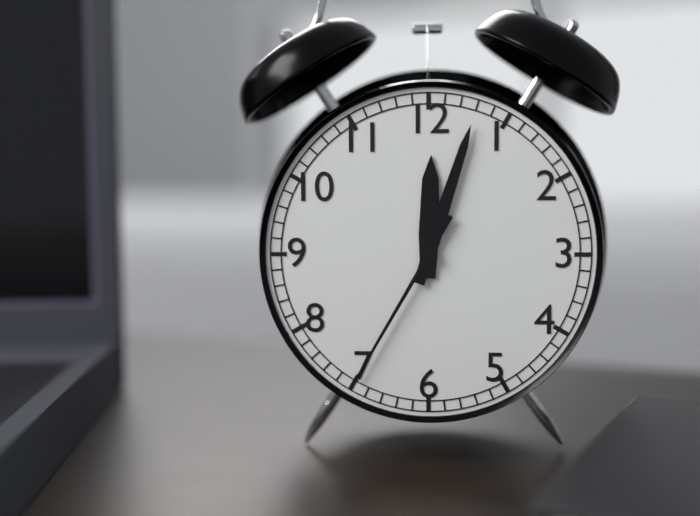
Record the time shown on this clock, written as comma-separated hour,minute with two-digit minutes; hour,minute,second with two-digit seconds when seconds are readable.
12,03,35
